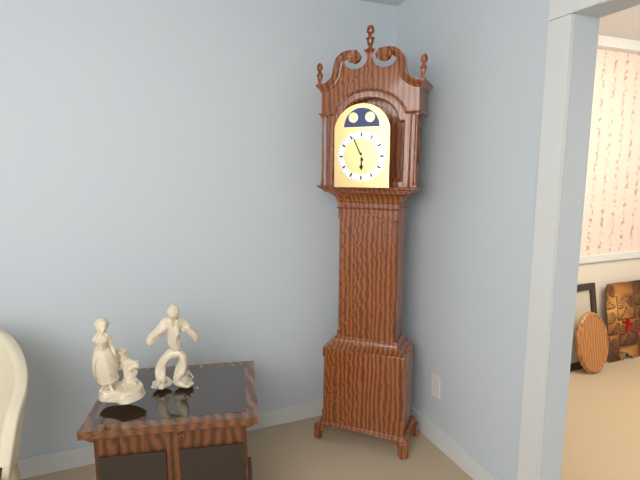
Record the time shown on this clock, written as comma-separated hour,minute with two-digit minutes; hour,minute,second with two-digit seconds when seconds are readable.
5,56
